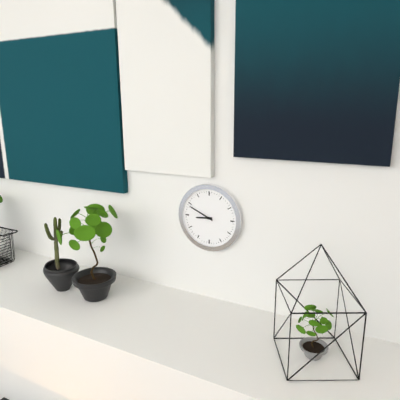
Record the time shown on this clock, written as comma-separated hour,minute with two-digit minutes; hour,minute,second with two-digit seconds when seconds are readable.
8,49
